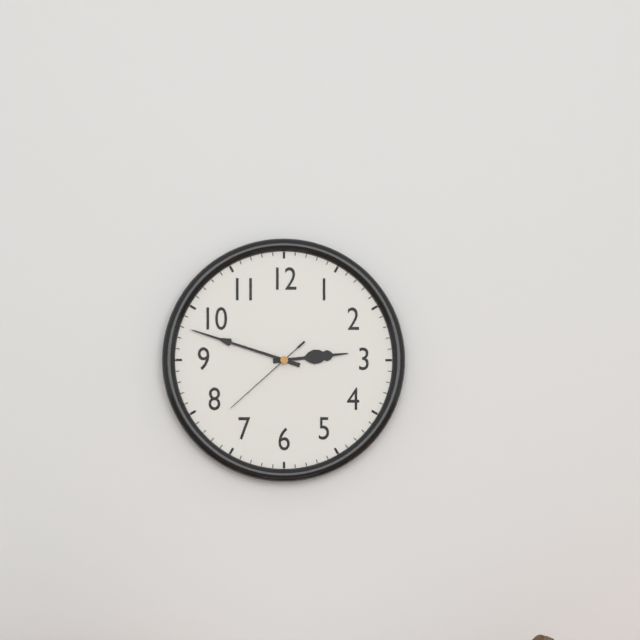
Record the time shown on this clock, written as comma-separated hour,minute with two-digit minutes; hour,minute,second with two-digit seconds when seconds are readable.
2,48,38
